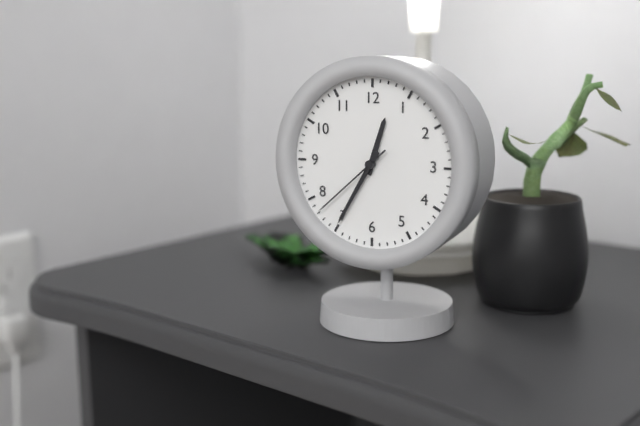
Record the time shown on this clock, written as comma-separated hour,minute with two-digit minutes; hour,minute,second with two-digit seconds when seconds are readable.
12,35,38
